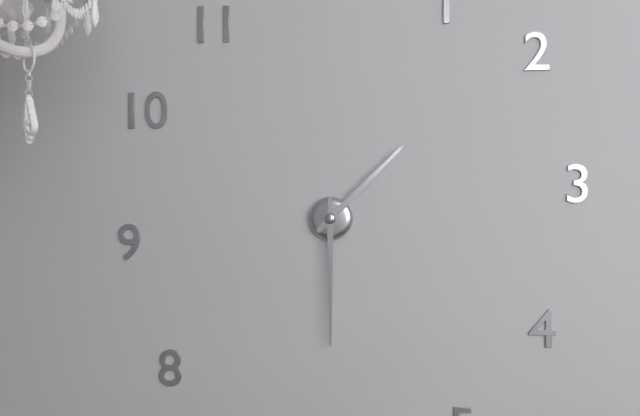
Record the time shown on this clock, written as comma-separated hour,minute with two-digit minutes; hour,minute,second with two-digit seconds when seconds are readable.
1,30
